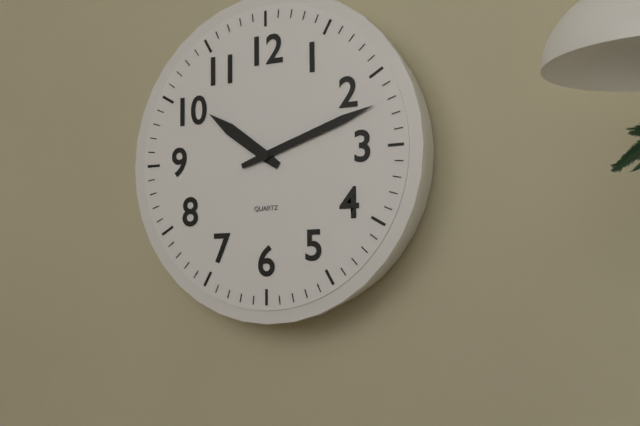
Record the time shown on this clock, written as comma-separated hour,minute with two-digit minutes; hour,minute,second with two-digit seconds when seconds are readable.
10,12
